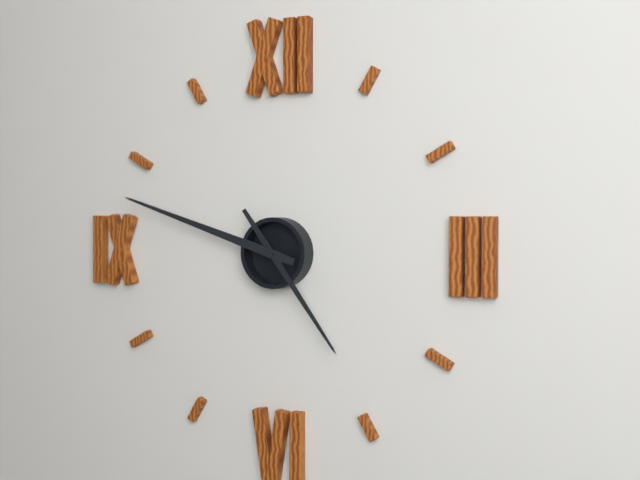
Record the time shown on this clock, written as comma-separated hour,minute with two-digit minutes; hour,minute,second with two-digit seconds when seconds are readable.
4,48
